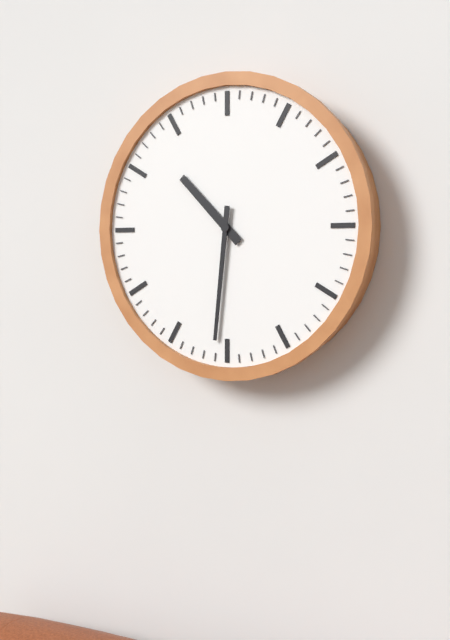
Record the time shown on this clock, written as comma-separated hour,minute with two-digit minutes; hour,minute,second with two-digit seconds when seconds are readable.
10,31
